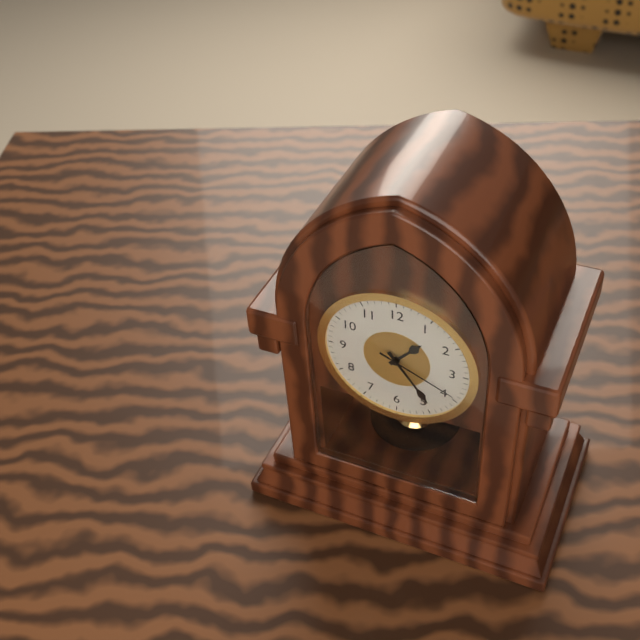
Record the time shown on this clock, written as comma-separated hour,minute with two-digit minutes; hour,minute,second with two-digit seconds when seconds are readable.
1,24,19
